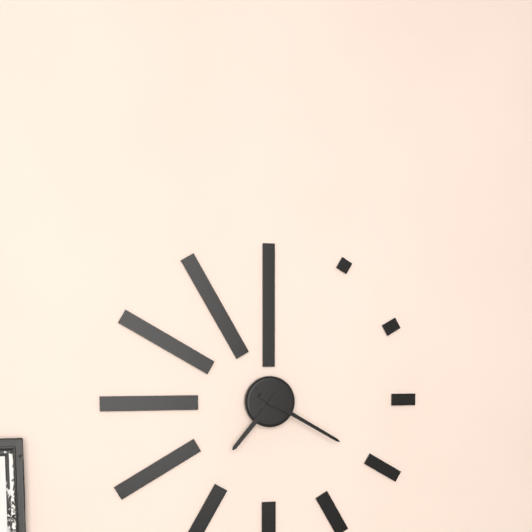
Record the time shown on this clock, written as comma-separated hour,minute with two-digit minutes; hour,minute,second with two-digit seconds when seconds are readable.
7,20
